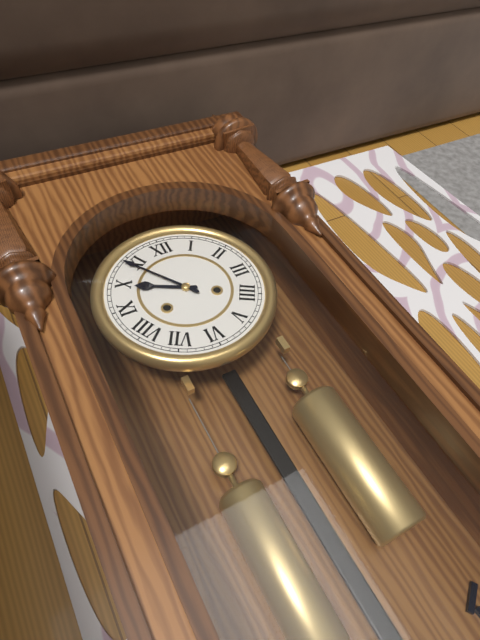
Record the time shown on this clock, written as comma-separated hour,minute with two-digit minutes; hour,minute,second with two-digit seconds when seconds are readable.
9,54
